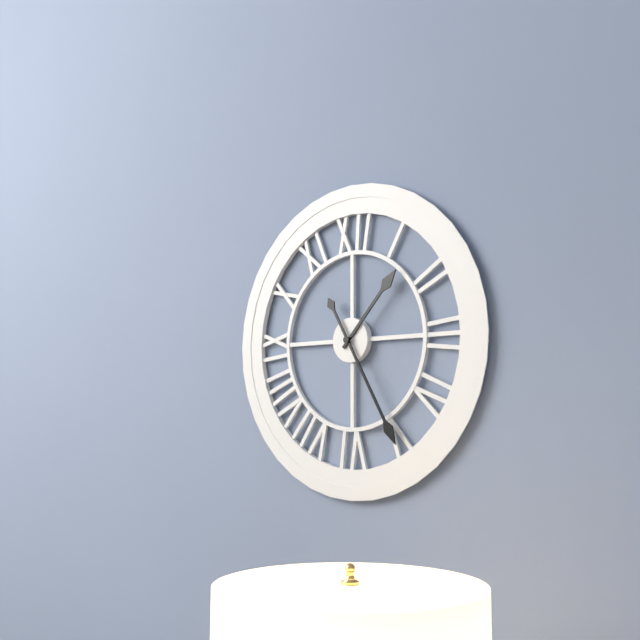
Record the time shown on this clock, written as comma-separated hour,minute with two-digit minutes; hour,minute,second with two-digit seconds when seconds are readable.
1,25
